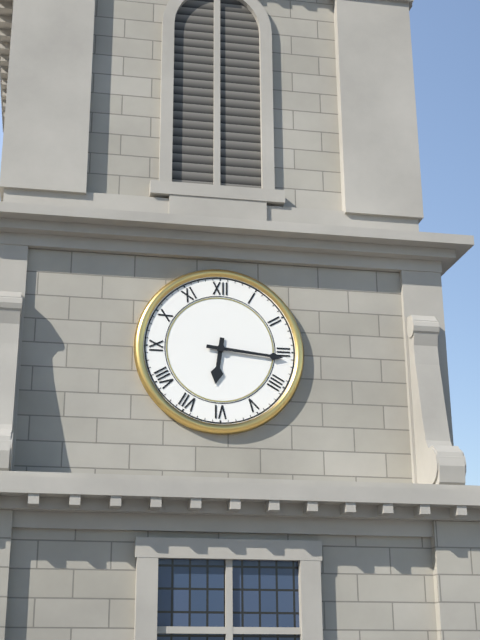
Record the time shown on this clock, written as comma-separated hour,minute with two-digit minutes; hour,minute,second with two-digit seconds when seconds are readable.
6,16
